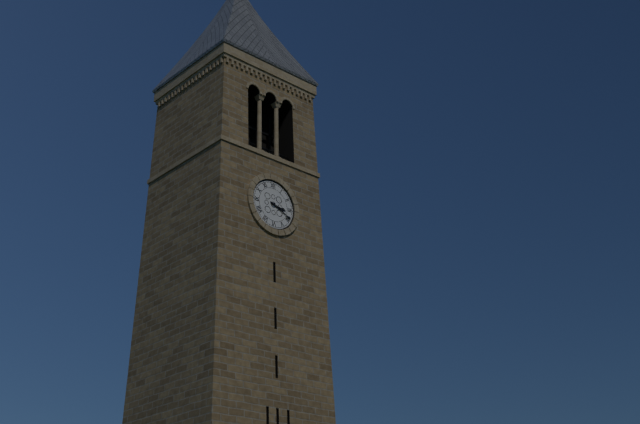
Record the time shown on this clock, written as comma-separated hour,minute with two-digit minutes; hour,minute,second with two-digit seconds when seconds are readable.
3,19
